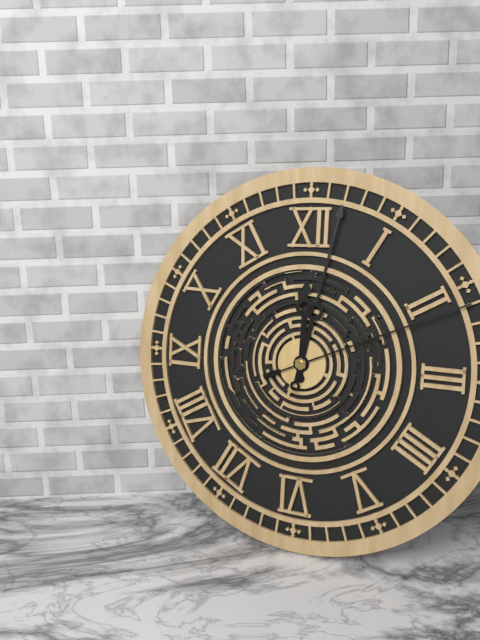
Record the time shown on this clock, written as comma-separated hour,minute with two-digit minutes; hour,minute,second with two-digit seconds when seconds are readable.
12,02,11
